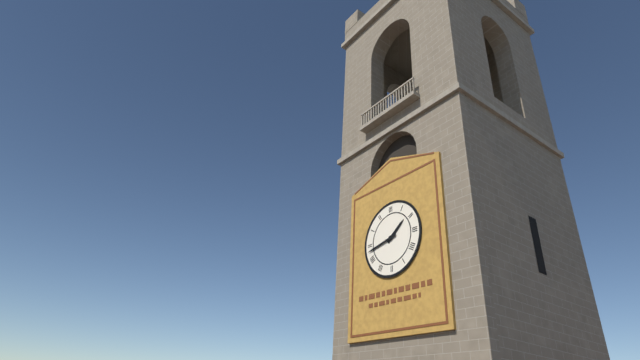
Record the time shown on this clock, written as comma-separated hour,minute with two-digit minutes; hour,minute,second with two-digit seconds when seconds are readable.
1,43
